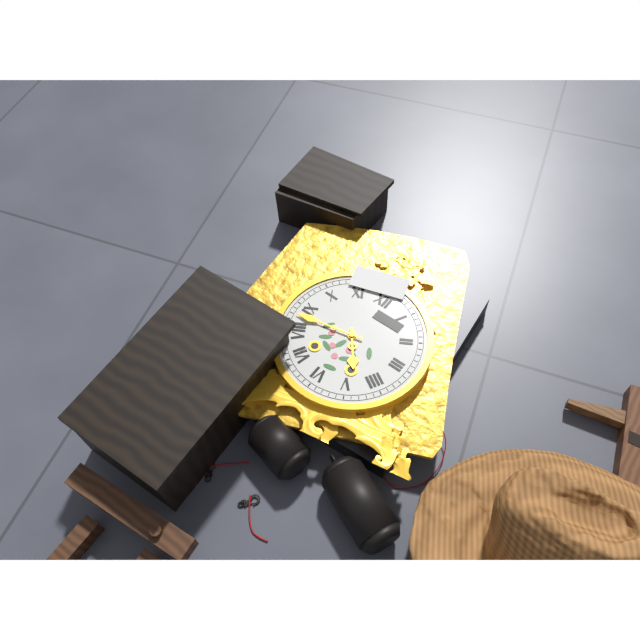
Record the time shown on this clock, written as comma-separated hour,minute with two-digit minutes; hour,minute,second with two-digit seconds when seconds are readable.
4,43
